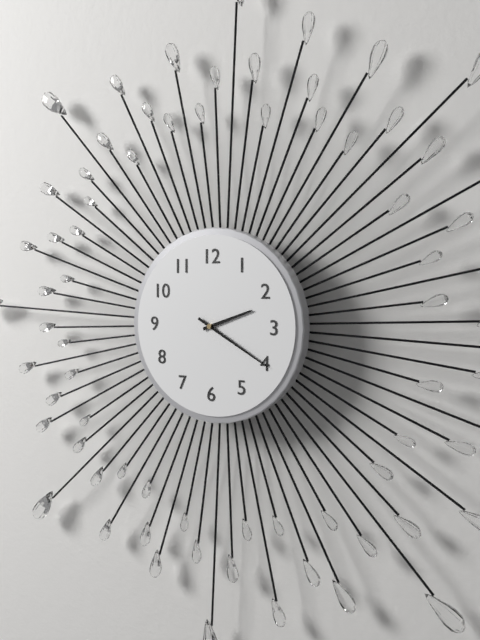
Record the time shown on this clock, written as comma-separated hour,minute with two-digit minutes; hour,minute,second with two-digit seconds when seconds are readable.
2,20
